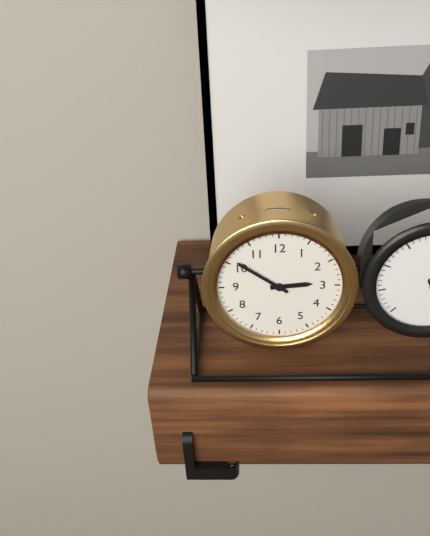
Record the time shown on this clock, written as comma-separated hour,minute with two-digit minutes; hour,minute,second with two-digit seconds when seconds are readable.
2,51
